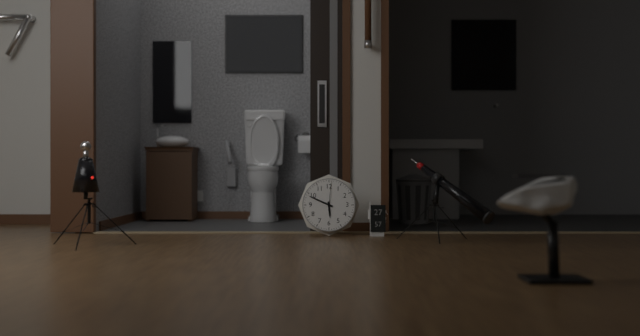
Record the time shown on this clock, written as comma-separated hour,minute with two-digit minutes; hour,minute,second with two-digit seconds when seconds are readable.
5,49
